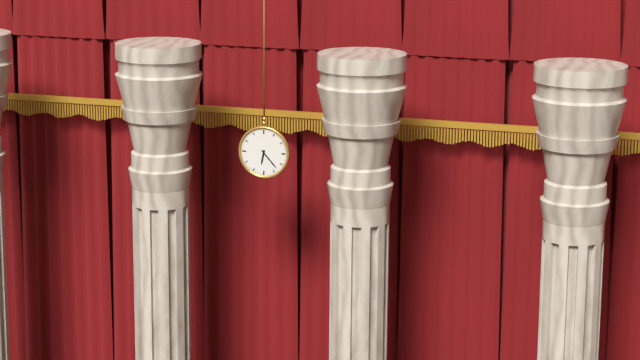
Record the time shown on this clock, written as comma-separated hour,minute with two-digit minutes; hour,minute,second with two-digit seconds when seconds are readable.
6,23
